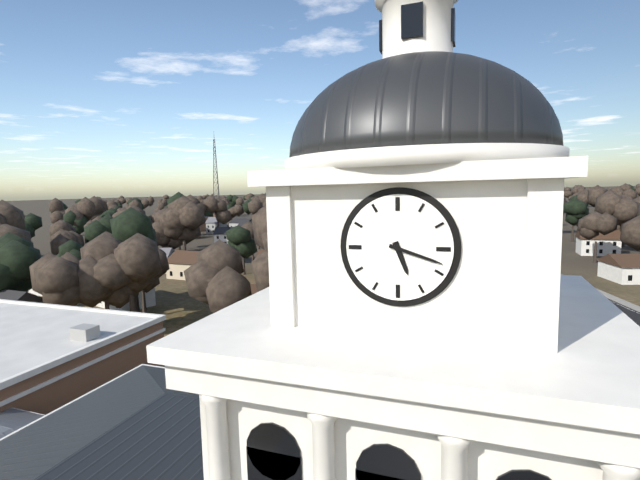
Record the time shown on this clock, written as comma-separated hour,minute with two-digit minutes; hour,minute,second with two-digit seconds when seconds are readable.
5,18
